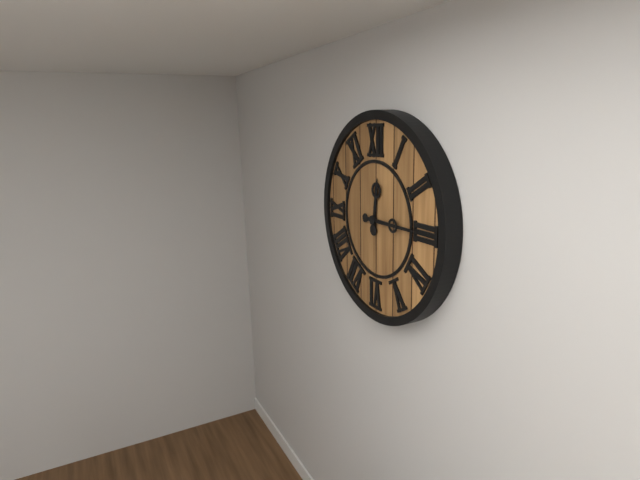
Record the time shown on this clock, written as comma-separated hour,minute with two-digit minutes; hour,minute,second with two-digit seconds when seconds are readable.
12,15
